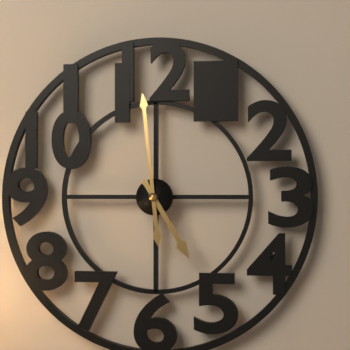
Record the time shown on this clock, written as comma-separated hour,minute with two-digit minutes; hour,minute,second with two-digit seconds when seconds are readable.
4,59
